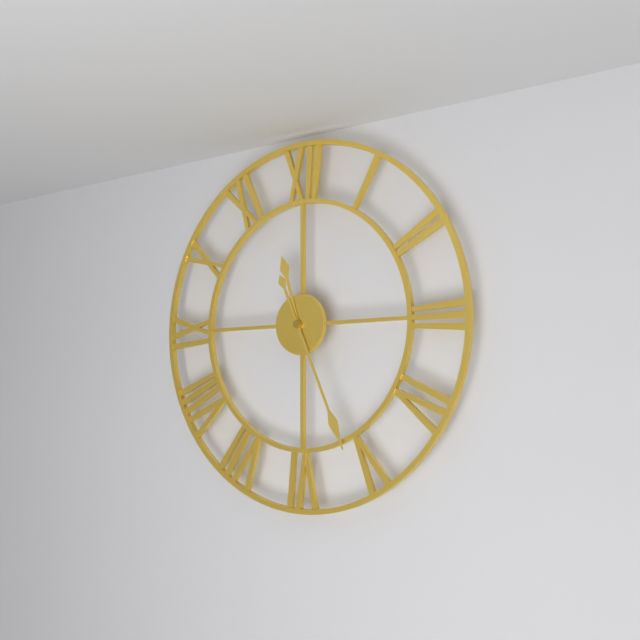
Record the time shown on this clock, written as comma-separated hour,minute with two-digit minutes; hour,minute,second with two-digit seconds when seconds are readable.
11,26
